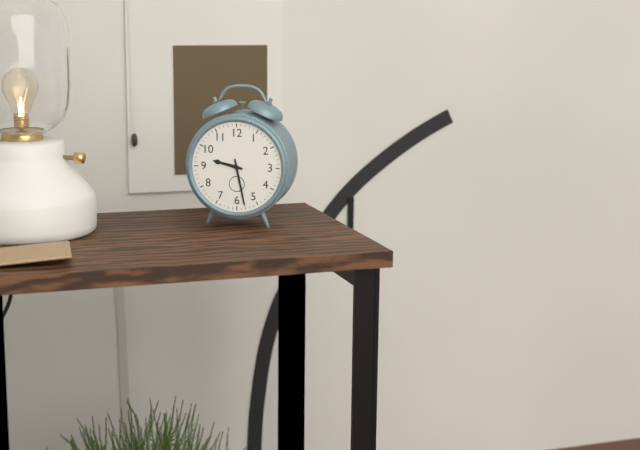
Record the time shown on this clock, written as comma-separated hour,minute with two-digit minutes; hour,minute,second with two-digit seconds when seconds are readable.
9,28
